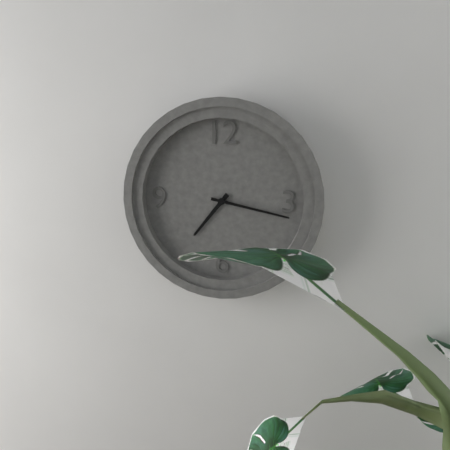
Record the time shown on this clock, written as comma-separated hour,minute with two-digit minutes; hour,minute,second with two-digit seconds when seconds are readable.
7,17
